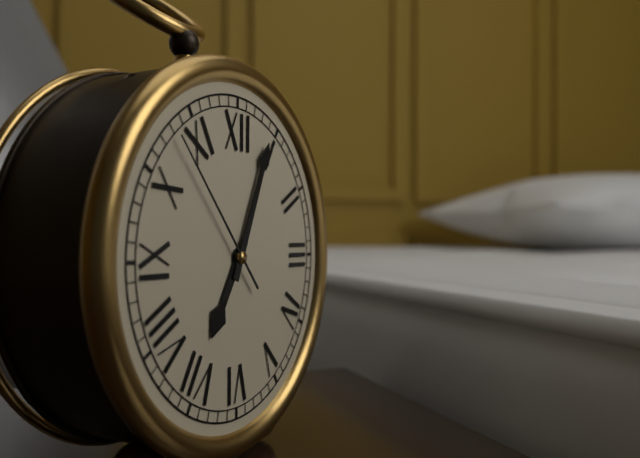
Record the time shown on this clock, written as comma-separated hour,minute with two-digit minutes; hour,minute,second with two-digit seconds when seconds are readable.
7,04,53
